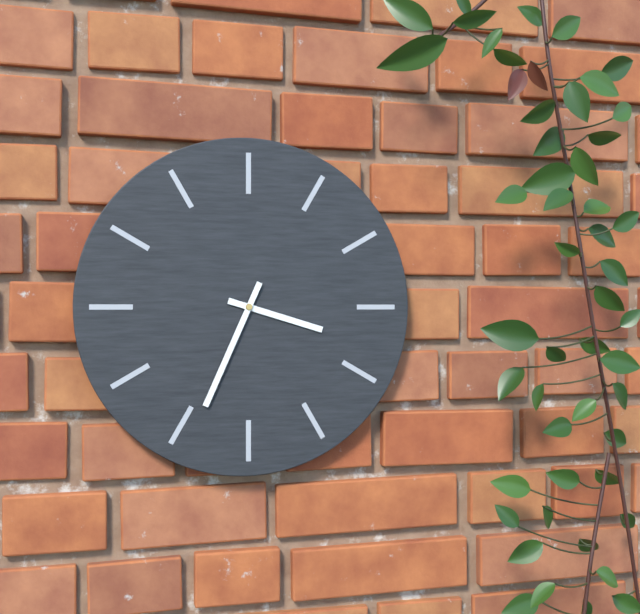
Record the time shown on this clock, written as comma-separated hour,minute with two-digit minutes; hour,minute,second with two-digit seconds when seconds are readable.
3,34
